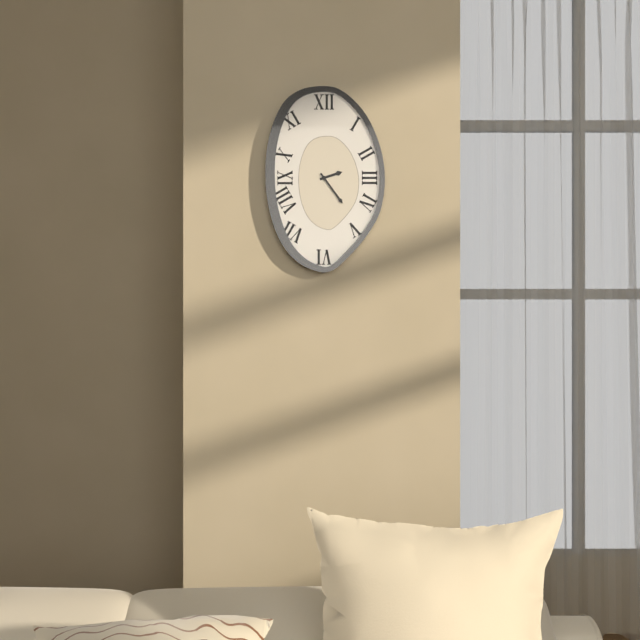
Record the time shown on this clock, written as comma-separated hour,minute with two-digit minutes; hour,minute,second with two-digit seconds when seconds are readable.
2,24
